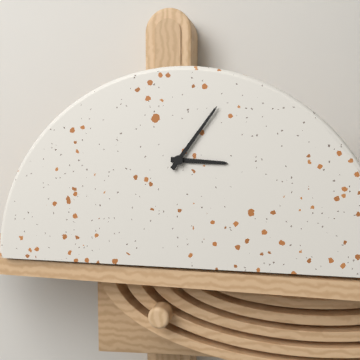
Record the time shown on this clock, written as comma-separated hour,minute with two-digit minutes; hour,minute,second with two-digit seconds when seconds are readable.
3,06
